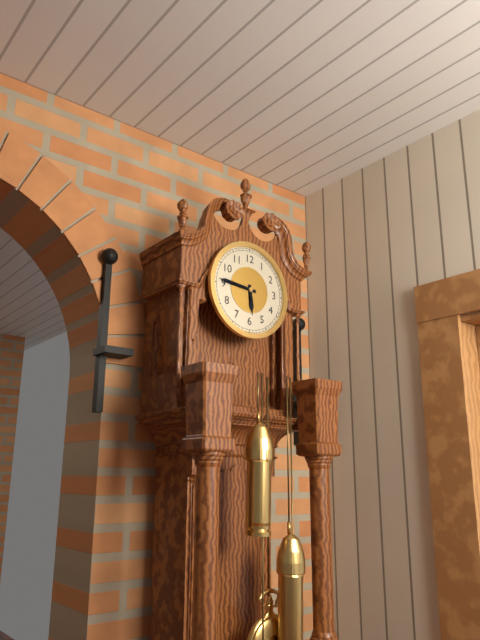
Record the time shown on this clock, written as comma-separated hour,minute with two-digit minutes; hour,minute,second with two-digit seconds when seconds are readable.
5,46
